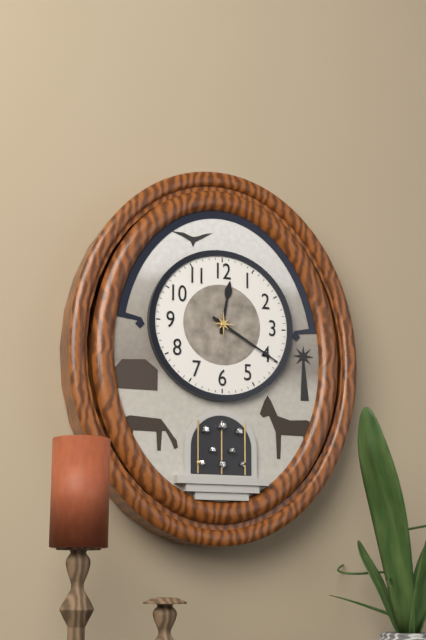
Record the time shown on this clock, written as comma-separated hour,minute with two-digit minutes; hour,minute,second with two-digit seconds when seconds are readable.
12,20
